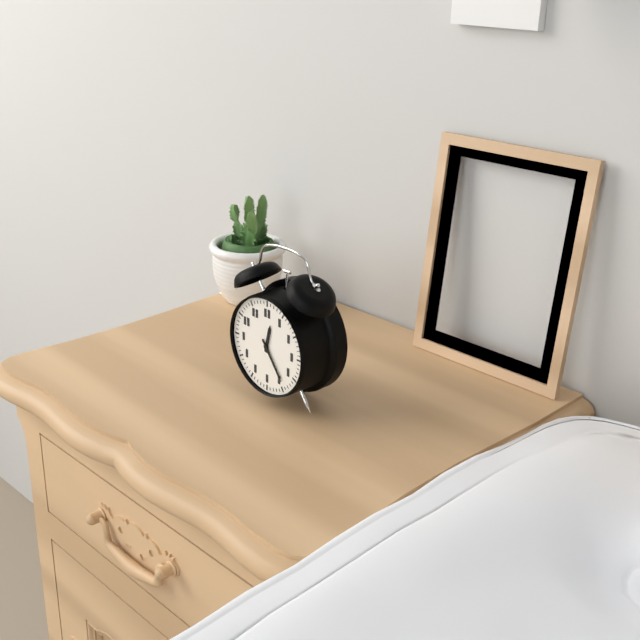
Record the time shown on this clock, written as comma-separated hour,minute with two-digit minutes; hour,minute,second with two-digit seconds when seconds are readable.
12,24
